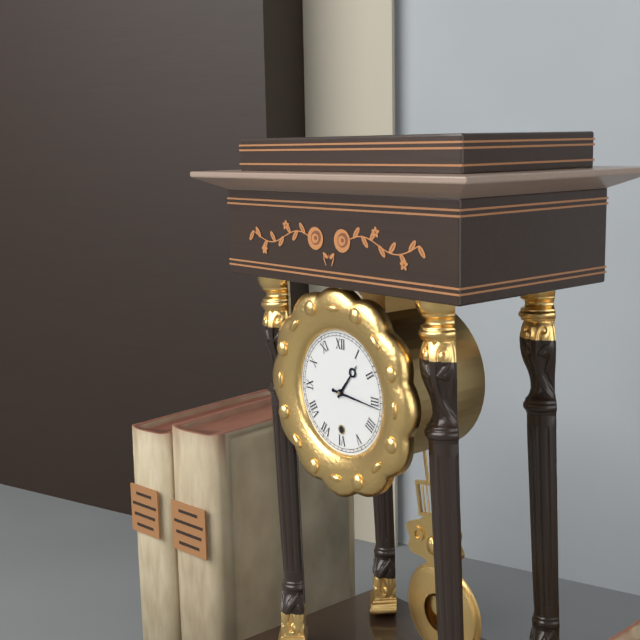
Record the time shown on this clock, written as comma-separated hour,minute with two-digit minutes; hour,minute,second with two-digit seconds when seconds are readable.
1,16
